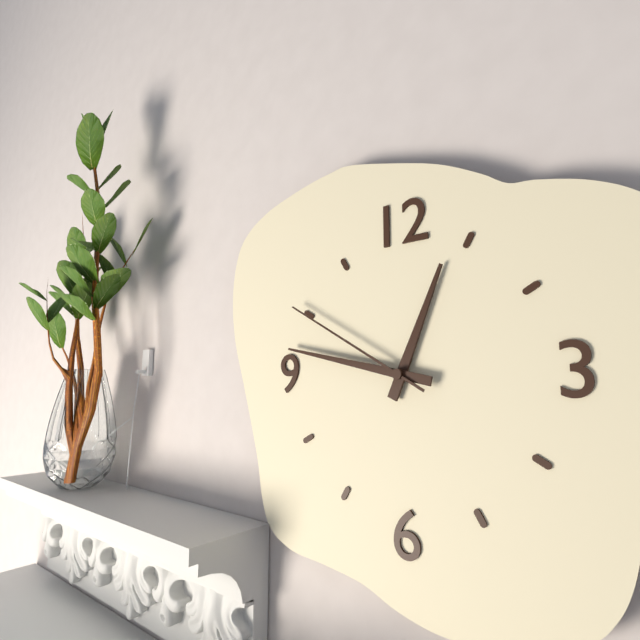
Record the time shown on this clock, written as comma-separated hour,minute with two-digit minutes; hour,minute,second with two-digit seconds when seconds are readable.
12,47,50
